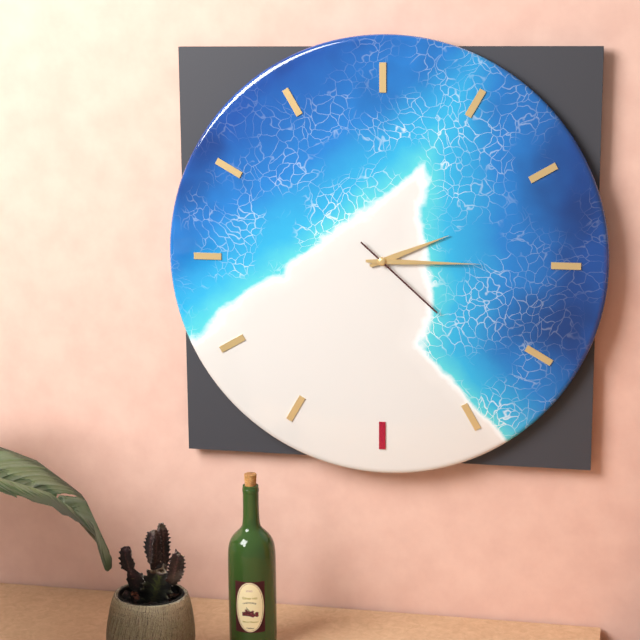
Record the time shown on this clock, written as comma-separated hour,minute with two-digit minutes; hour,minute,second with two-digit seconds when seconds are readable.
2,15,22
